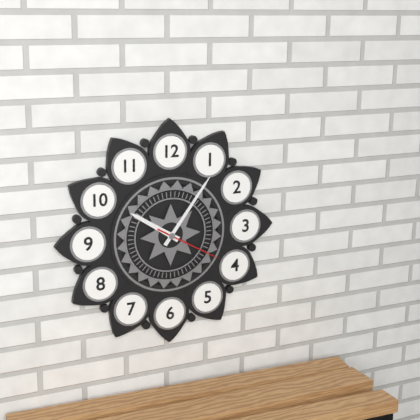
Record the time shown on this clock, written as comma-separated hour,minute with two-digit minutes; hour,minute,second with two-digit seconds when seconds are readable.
10,06,20
